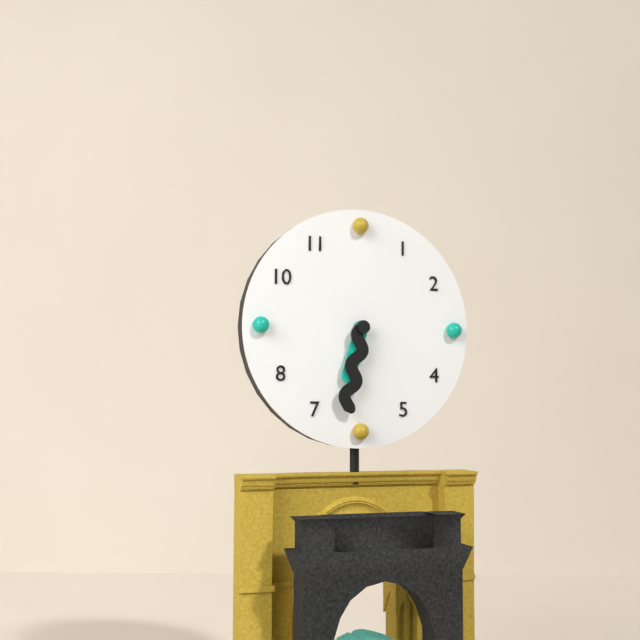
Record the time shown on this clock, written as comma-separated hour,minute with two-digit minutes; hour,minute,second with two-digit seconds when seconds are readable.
6,32
